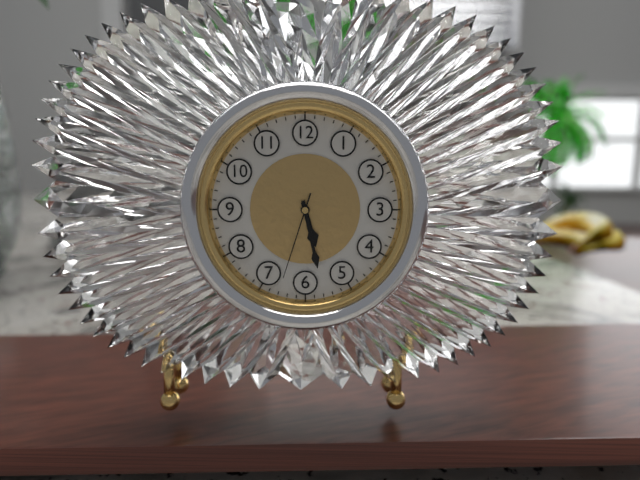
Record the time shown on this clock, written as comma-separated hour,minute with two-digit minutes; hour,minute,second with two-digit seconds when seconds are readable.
5,28,33
